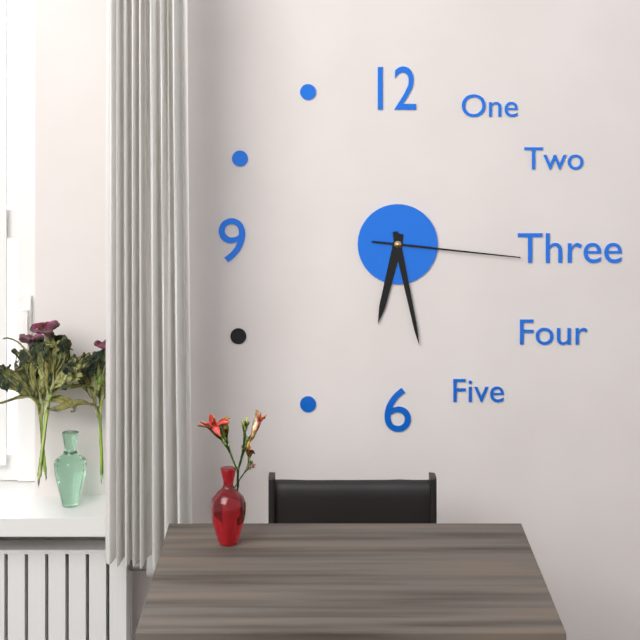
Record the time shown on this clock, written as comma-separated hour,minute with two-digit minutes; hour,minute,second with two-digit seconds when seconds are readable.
6,28,16
